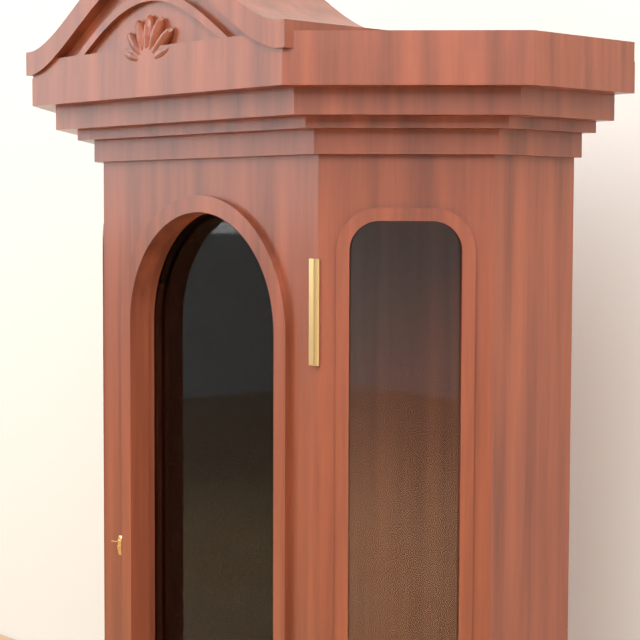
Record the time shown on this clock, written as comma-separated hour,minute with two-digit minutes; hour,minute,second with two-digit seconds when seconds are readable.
12,06
